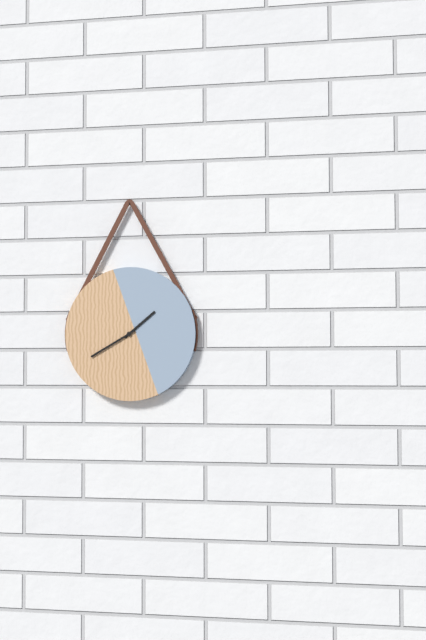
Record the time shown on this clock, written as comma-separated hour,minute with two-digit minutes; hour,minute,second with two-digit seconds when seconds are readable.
1,40
